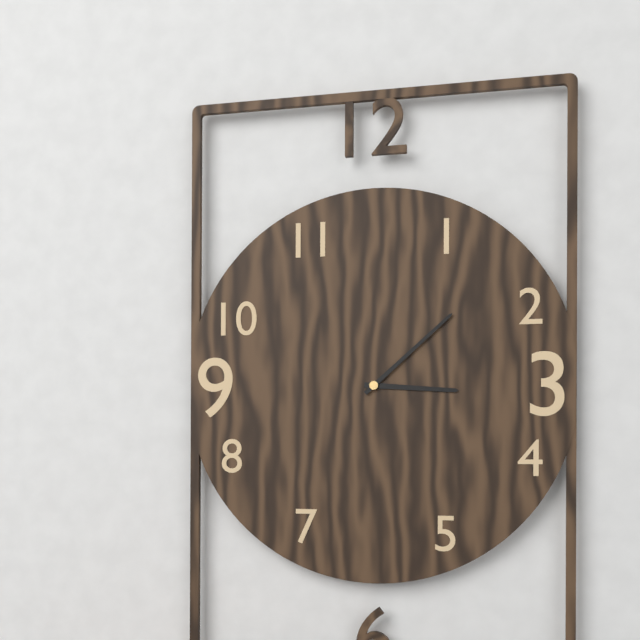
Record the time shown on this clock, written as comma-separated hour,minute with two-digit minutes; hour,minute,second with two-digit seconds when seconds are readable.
3,08
